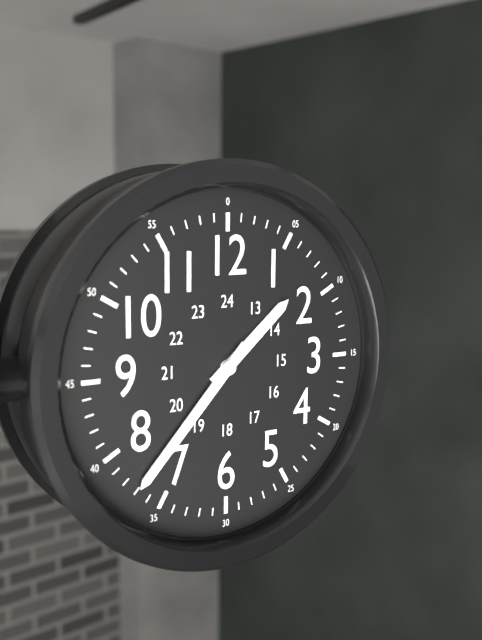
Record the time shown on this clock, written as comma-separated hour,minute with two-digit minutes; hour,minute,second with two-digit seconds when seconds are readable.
1,37
